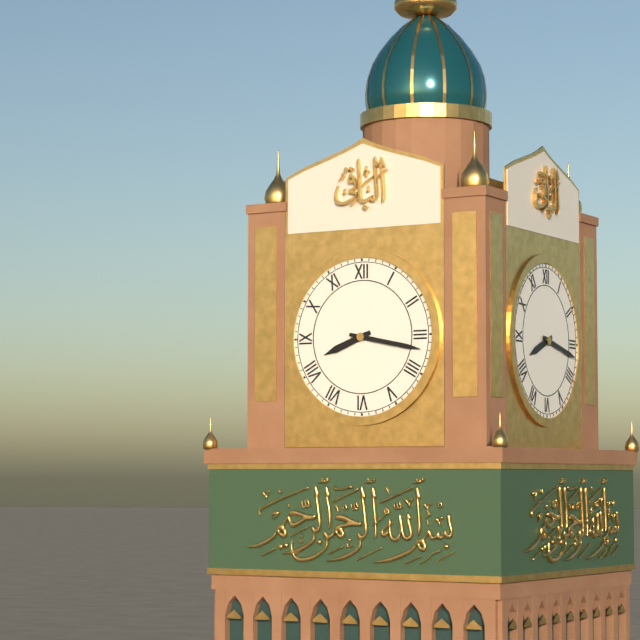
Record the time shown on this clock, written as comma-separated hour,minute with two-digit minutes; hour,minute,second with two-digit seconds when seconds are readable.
8,17
